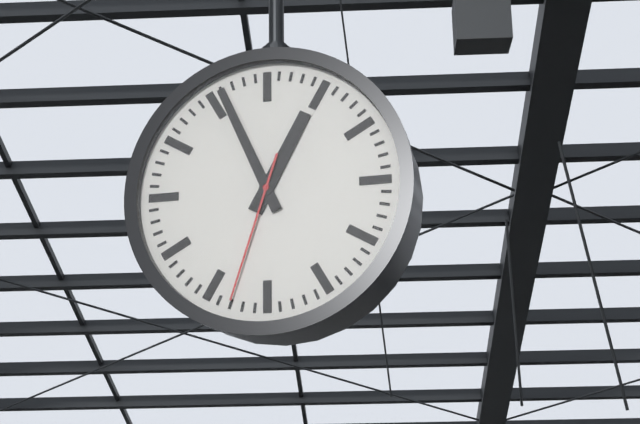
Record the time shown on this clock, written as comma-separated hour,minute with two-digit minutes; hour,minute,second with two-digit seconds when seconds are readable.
12,56,33
